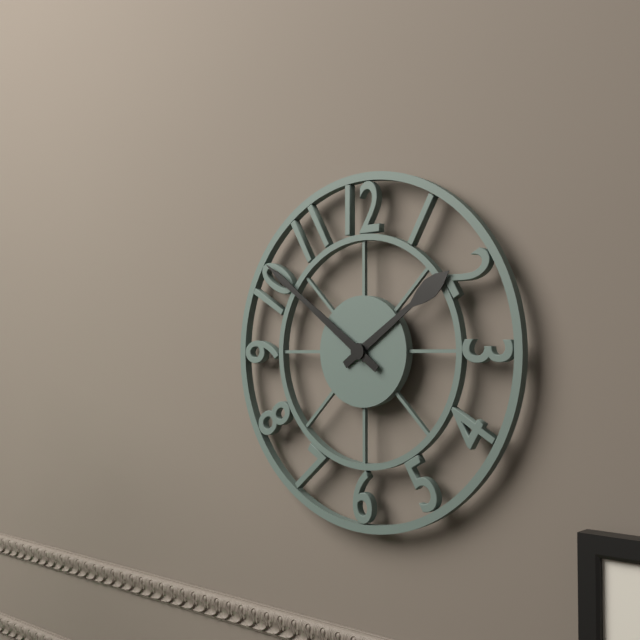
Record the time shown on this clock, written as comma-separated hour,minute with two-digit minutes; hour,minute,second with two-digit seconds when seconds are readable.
1,51
